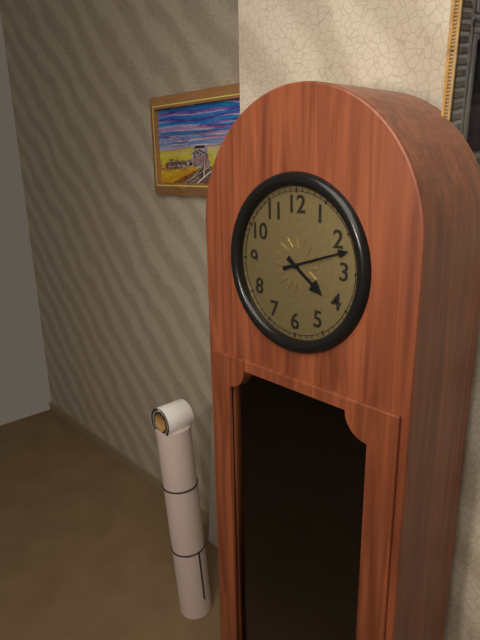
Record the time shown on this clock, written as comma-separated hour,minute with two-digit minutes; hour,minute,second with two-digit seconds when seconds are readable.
4,12
